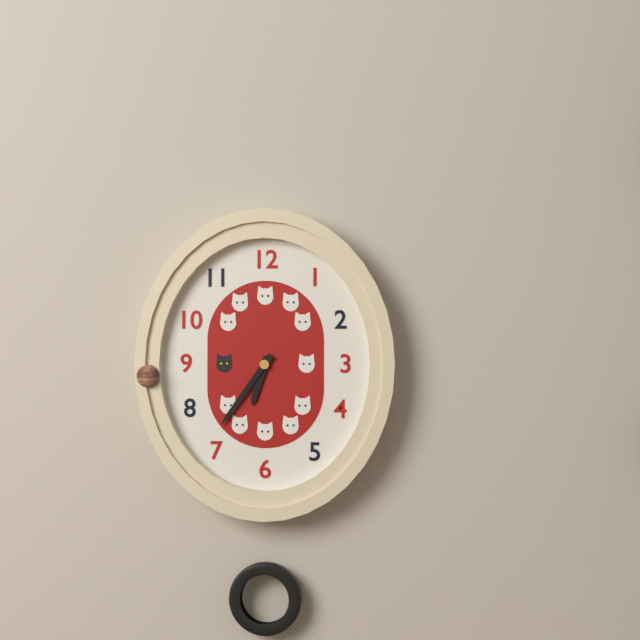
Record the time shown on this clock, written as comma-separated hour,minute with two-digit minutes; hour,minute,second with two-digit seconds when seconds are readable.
6,36
